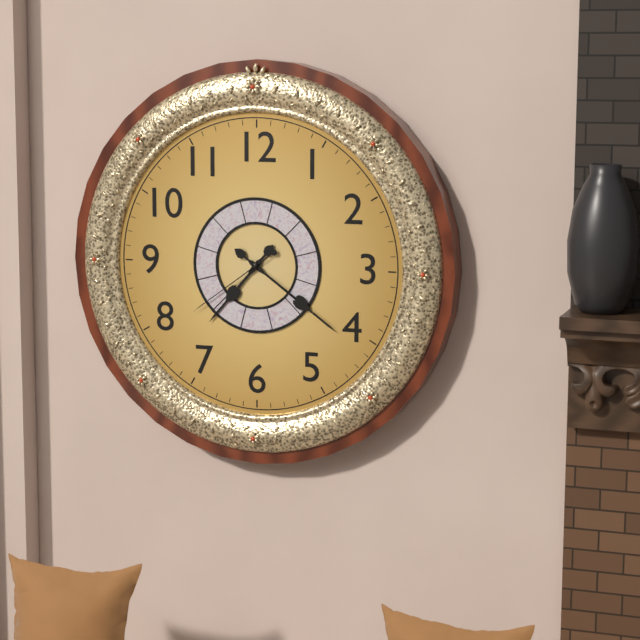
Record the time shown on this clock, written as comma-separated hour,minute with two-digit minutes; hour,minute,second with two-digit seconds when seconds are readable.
7,21,39
